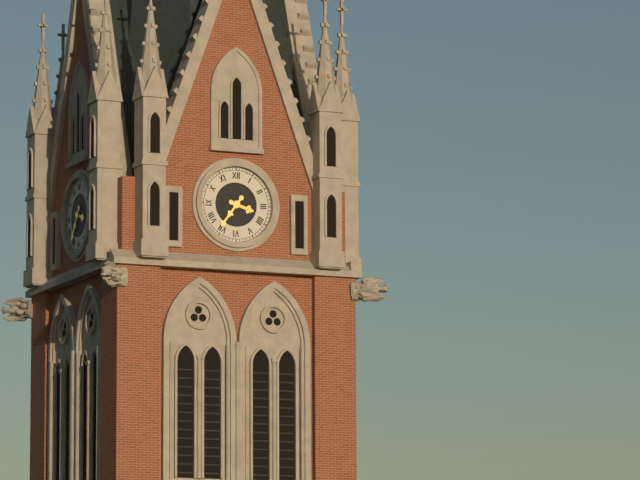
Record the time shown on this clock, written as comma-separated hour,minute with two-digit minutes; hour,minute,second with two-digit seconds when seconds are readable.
3,36
